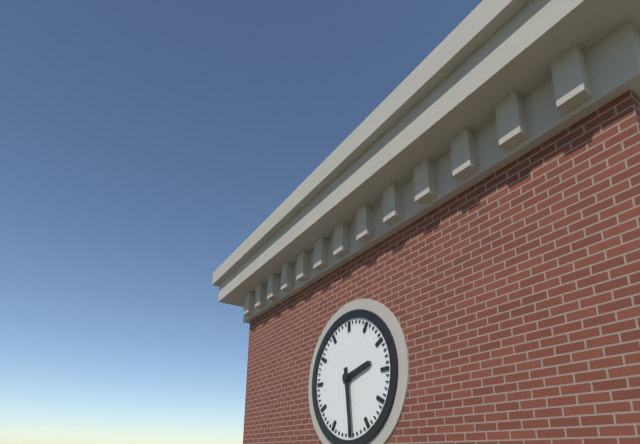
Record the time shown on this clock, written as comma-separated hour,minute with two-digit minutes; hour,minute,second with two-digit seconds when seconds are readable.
2,29
